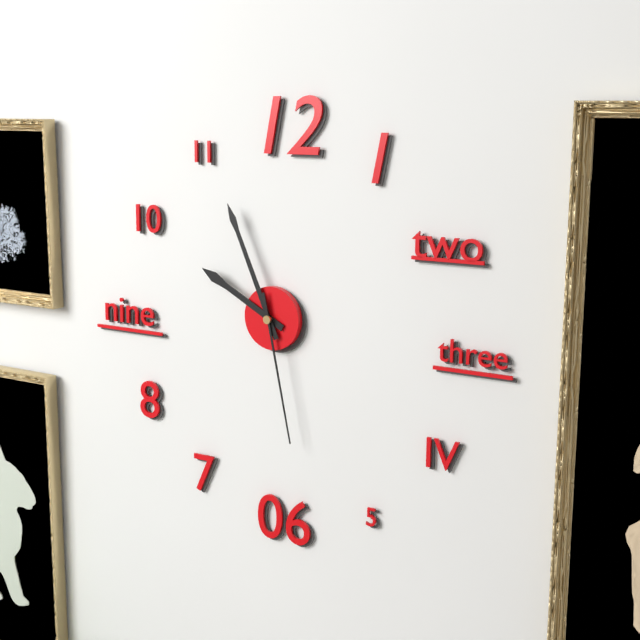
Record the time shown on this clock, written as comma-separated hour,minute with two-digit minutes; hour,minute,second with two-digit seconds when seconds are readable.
9,56,28
